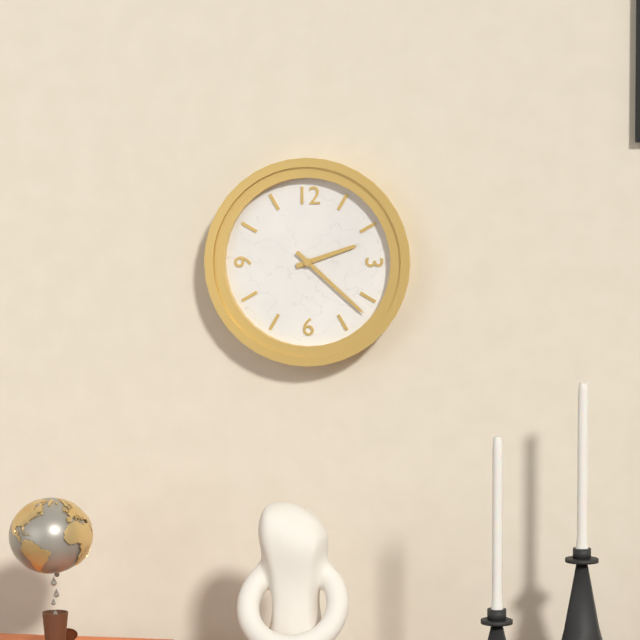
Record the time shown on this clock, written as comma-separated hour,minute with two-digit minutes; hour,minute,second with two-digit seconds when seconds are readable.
2,22
